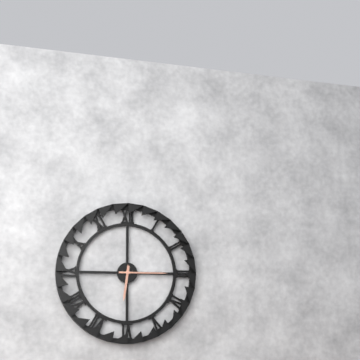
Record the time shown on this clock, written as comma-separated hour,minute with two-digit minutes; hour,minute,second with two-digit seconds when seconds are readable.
6,15
